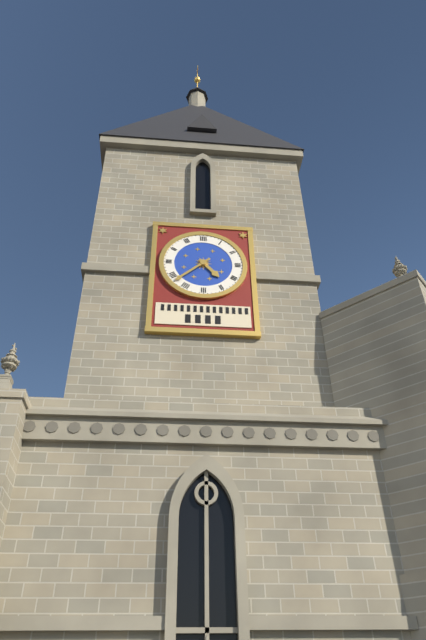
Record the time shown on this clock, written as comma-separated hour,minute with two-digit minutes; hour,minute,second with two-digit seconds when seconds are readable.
4,38
